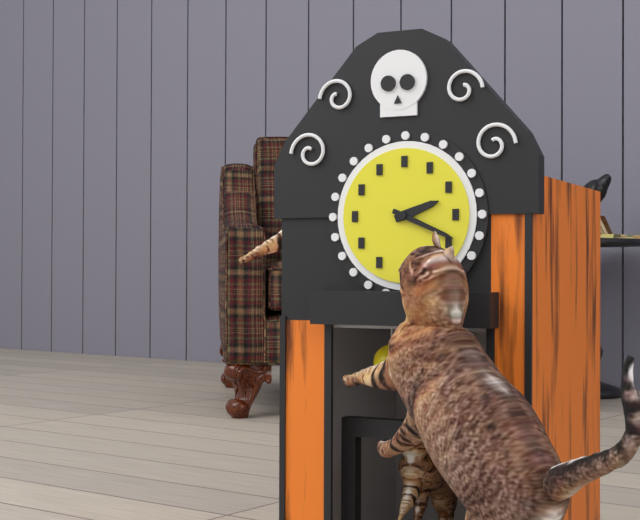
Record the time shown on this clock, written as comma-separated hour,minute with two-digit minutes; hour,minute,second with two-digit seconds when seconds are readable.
2,19
